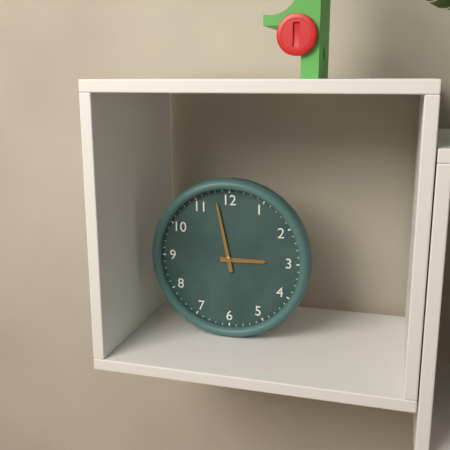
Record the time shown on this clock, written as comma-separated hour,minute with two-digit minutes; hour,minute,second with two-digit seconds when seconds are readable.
2,58
